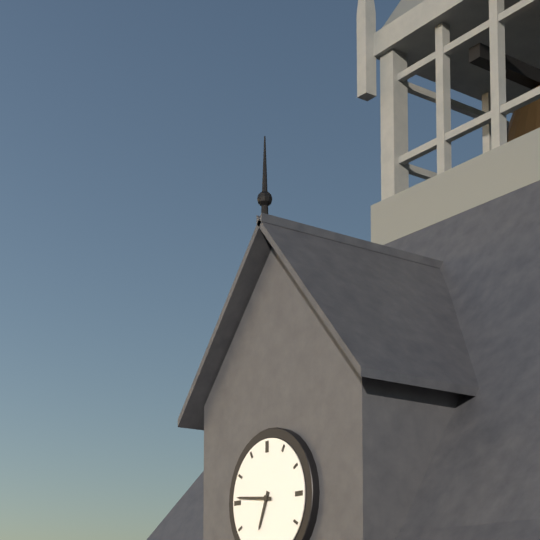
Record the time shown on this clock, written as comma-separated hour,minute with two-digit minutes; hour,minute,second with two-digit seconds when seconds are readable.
6,46
